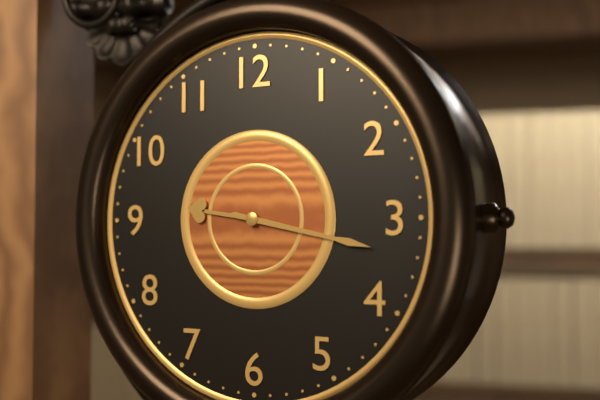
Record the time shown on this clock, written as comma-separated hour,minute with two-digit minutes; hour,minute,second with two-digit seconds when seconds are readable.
9,17
